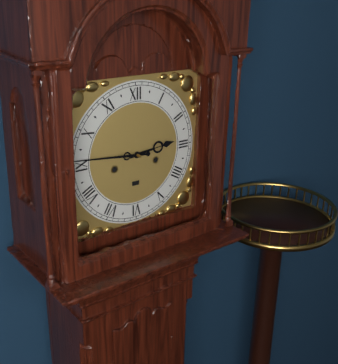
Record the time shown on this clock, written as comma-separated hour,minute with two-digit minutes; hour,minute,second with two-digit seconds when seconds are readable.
2,46
